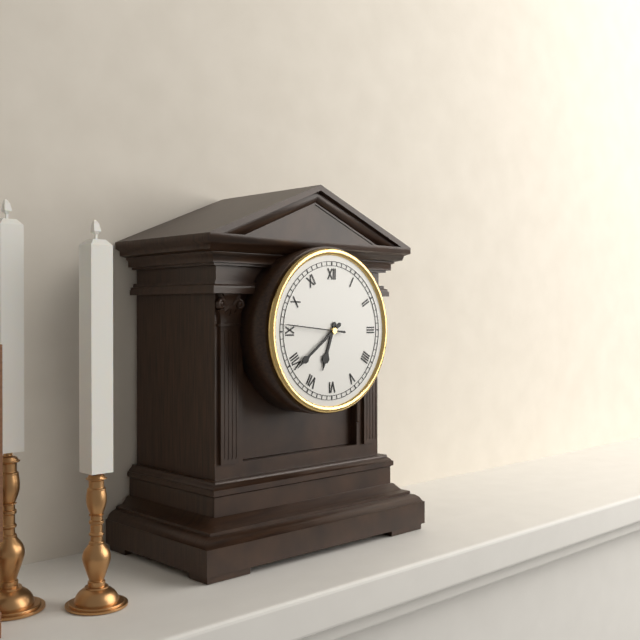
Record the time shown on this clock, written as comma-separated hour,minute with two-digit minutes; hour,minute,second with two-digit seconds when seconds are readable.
6,39,46
